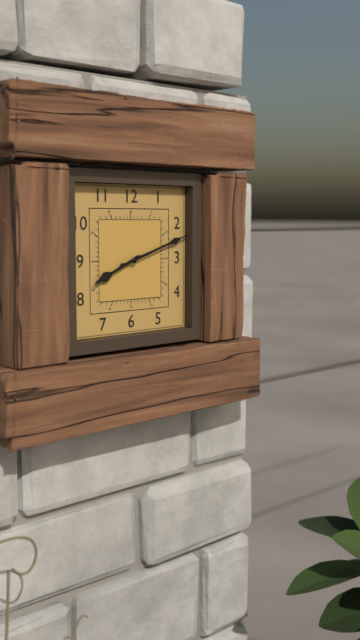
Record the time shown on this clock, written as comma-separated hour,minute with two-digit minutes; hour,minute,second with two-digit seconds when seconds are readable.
8,12
